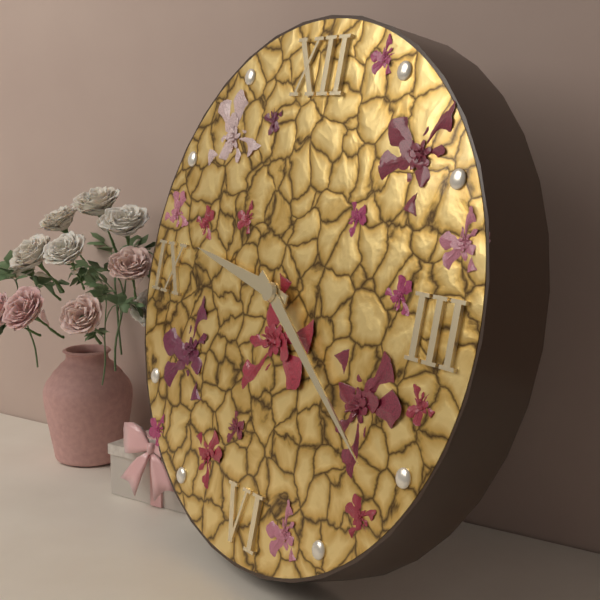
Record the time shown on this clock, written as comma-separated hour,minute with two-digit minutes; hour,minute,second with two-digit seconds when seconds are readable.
9,21
